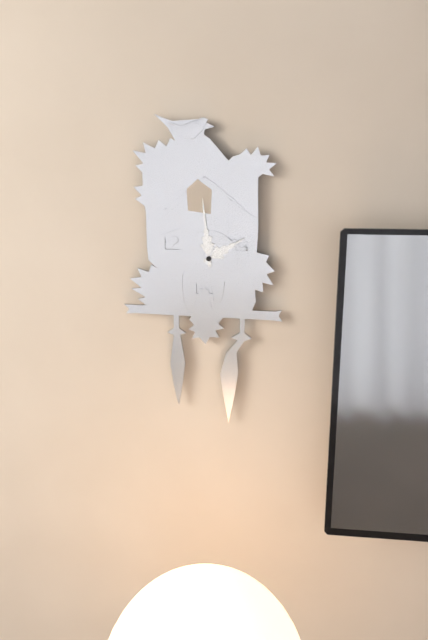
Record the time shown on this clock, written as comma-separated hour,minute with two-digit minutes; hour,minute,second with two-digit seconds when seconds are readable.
1,59
